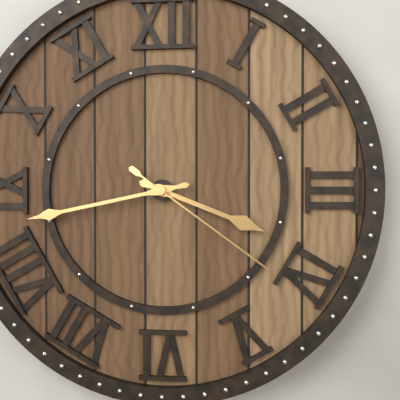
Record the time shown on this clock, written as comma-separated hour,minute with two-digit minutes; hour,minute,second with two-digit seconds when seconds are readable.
3,43,21
